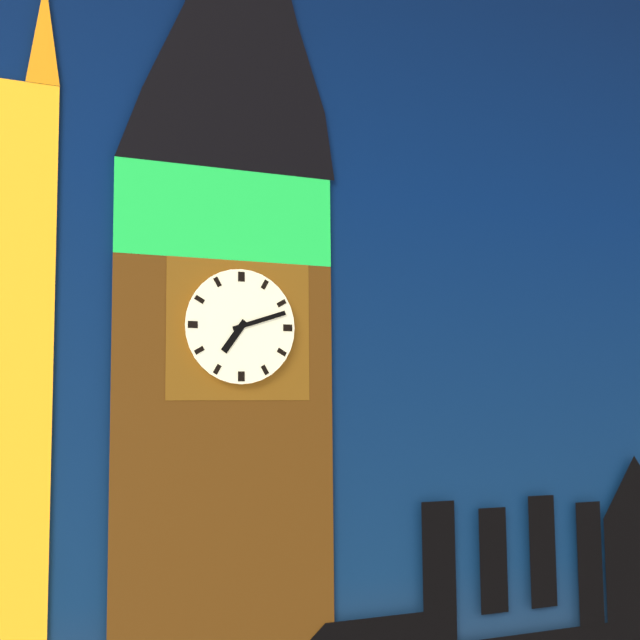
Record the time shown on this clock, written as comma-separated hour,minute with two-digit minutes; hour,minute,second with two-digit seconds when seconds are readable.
7,12
